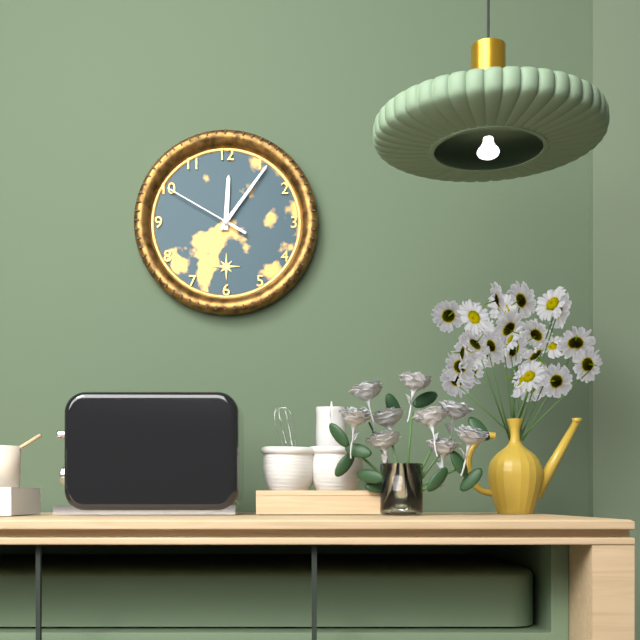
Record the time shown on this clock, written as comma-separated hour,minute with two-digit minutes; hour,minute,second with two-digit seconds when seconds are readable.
12,06,50
